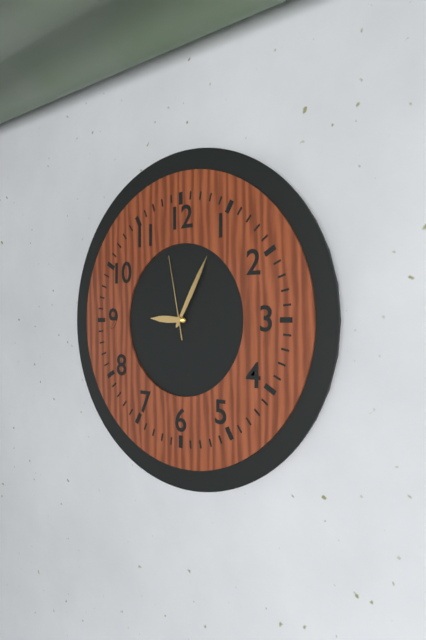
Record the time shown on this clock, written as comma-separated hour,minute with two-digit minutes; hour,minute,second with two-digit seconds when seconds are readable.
9,05,58
